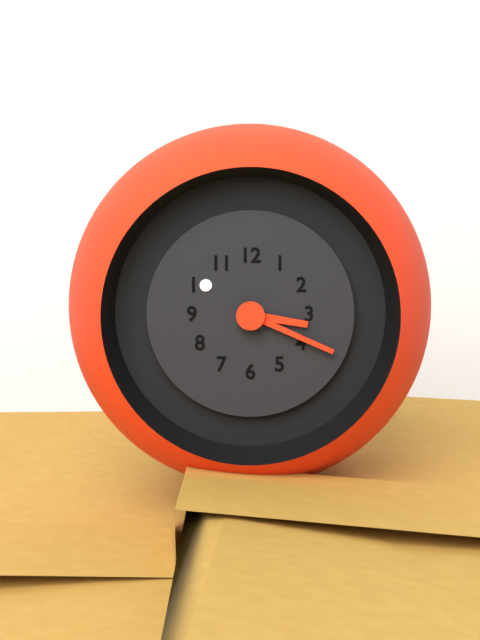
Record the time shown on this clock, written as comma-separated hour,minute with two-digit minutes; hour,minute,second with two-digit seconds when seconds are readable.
3,19
